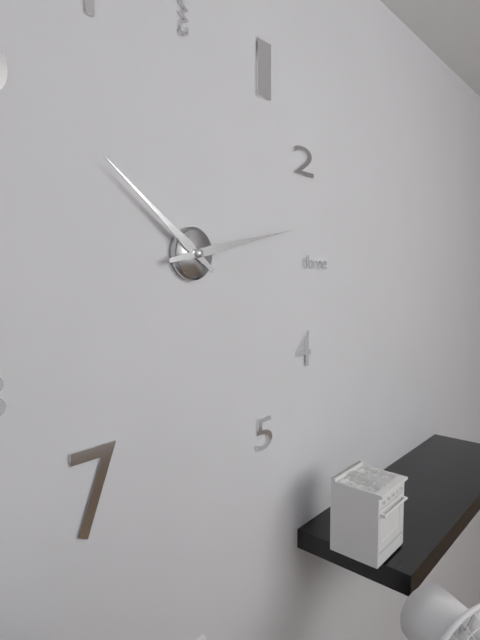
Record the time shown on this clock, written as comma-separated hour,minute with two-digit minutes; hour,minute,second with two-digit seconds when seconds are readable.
10,13
